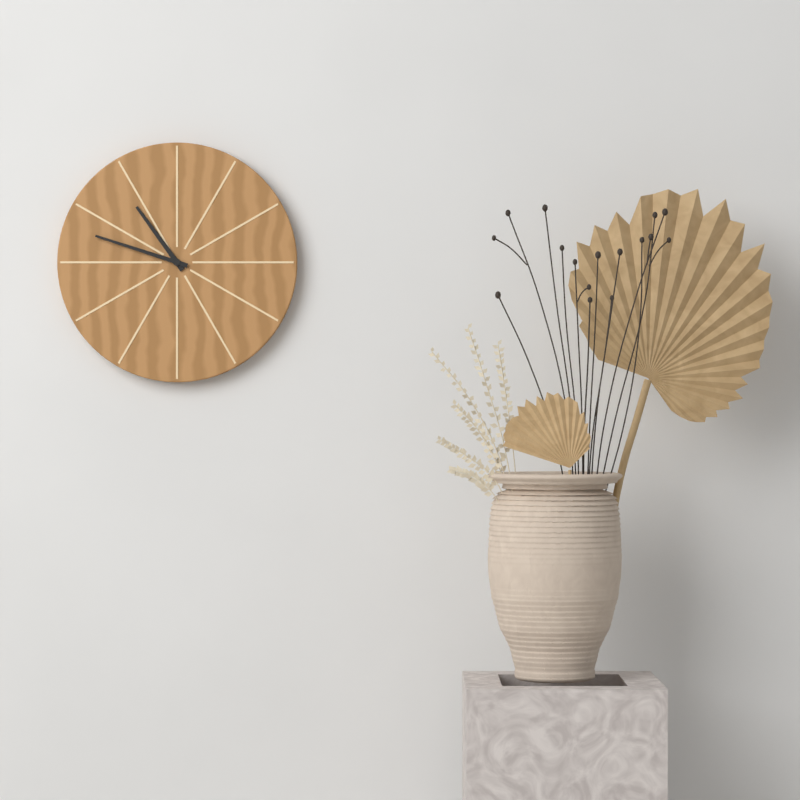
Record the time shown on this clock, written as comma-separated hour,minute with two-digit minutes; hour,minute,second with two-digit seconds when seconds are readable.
10,48
